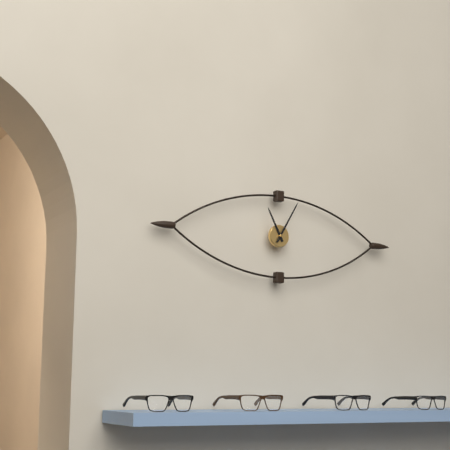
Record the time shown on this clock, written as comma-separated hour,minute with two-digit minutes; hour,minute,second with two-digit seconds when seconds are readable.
11,05
